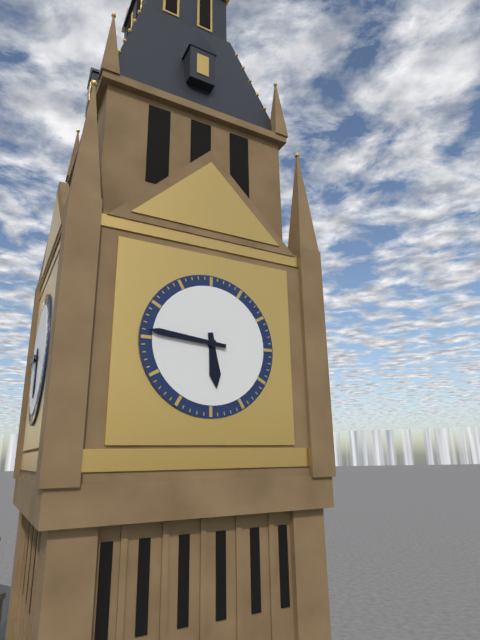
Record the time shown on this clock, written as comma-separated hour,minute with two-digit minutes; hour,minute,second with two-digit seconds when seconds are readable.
5,46
